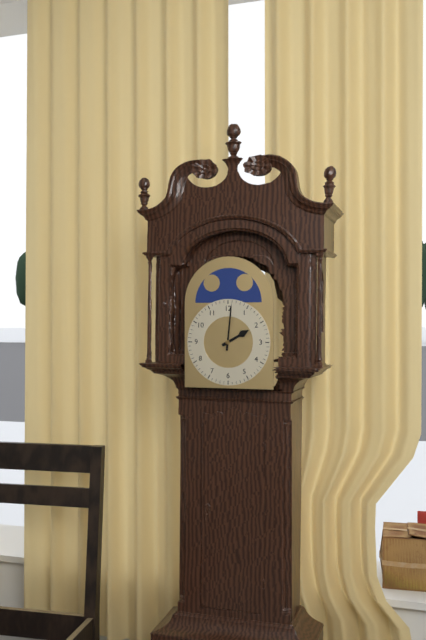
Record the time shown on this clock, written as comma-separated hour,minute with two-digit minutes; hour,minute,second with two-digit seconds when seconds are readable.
2,01
